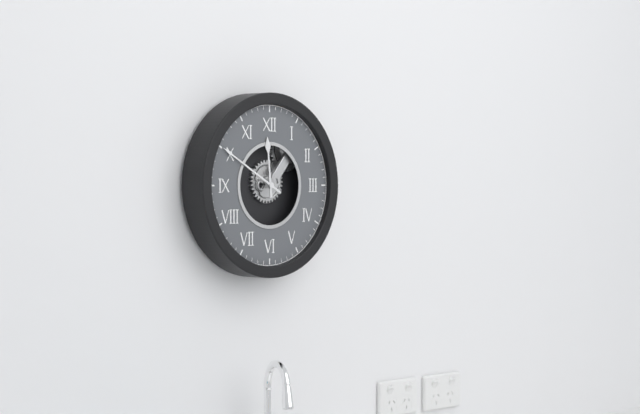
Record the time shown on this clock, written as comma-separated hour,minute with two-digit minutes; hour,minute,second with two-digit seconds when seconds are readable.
11,50
